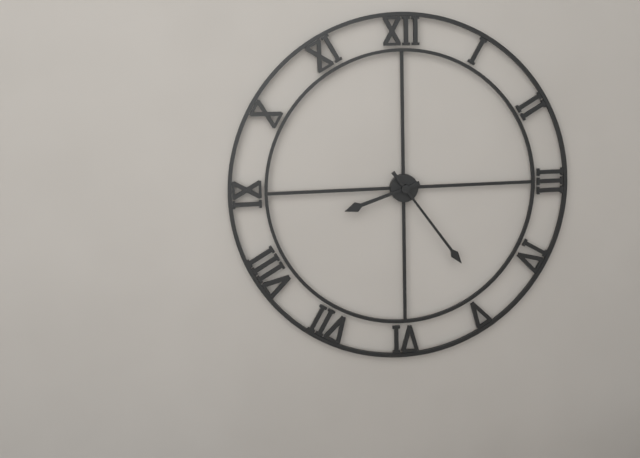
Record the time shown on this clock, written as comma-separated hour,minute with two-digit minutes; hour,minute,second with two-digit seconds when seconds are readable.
8,24
